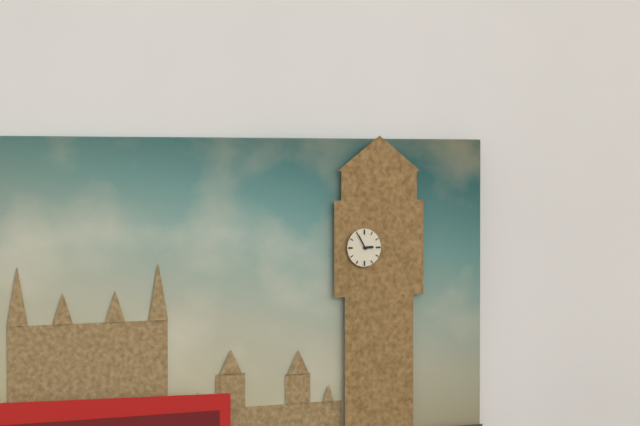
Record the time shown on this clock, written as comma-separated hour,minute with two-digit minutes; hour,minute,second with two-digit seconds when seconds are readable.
2,55
